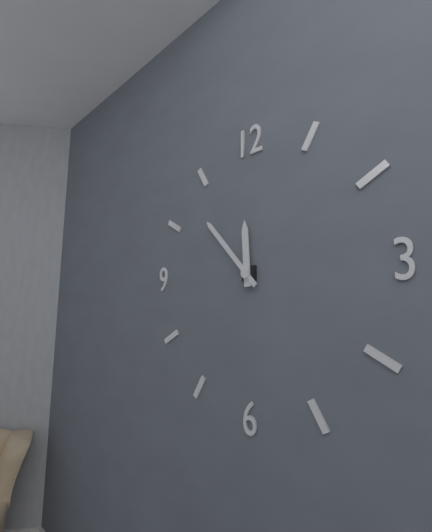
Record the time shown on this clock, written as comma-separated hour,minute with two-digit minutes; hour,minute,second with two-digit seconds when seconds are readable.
11,53
